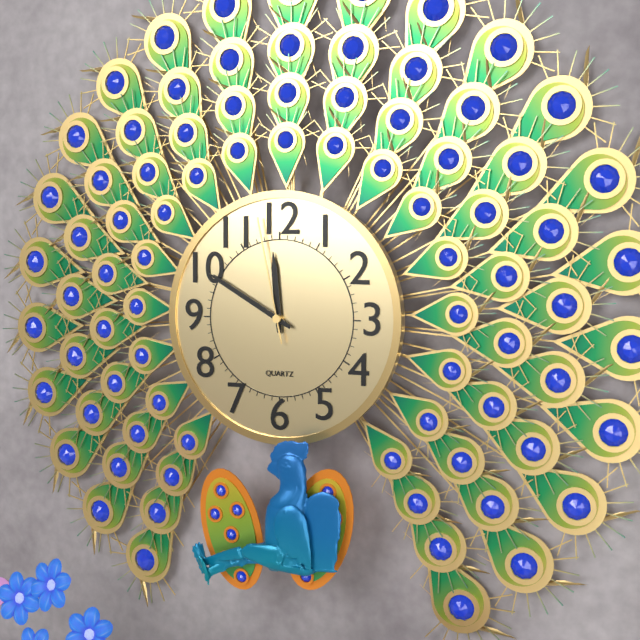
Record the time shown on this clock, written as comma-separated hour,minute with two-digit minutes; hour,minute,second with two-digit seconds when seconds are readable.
11,50,58
